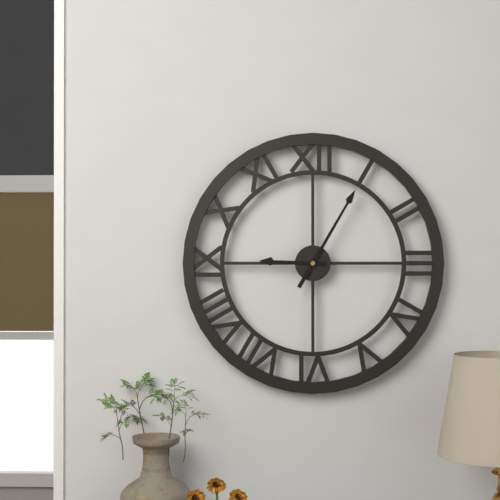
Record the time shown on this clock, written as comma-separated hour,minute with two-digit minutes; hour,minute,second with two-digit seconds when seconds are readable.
9,05
